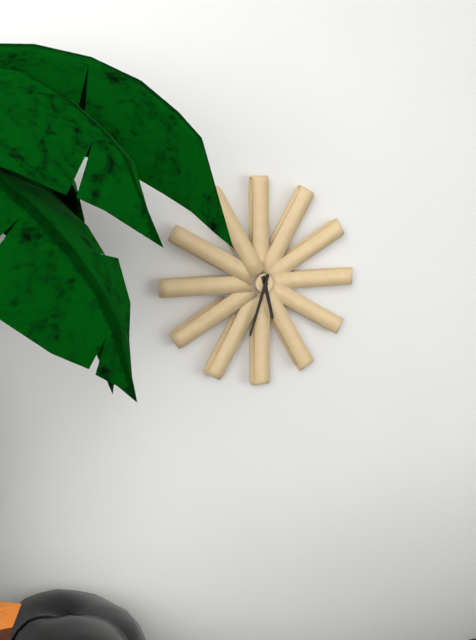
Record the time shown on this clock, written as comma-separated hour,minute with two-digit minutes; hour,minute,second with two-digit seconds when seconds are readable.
5,33
